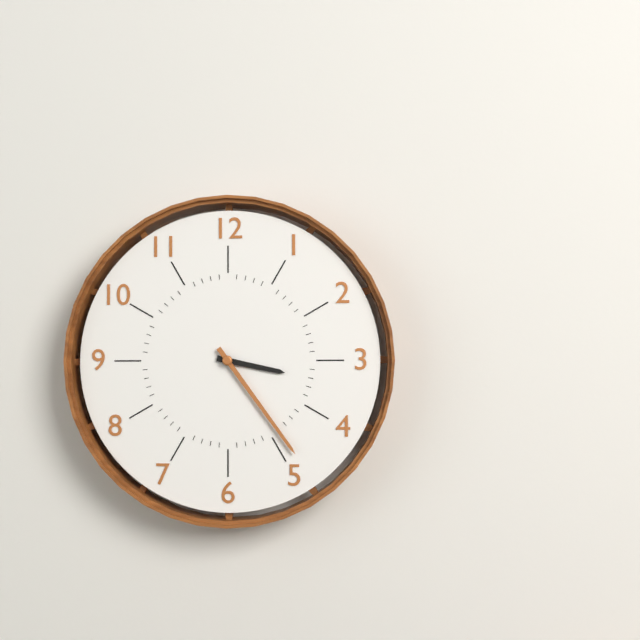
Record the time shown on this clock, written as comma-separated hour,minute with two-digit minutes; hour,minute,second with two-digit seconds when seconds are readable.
3,24
